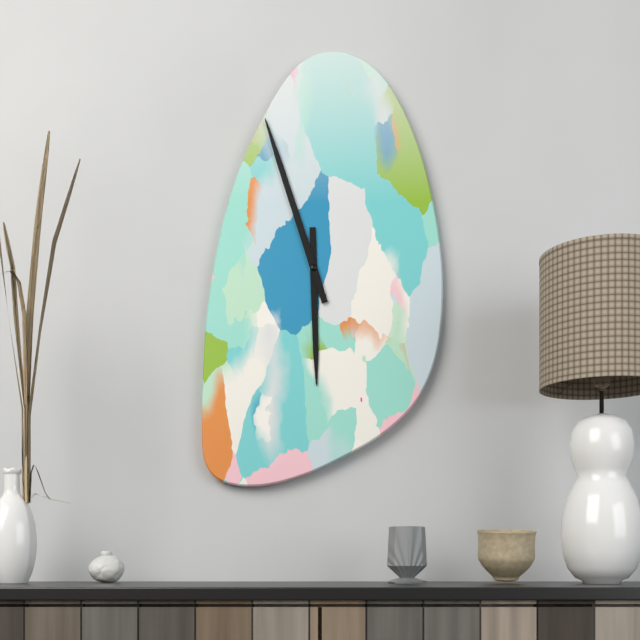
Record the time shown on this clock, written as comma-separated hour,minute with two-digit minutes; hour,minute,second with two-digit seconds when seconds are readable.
5,57
